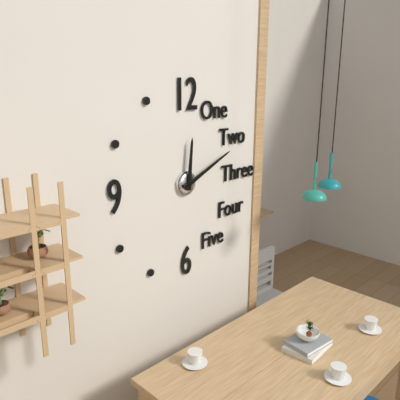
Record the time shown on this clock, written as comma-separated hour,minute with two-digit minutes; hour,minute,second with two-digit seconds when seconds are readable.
12,11
